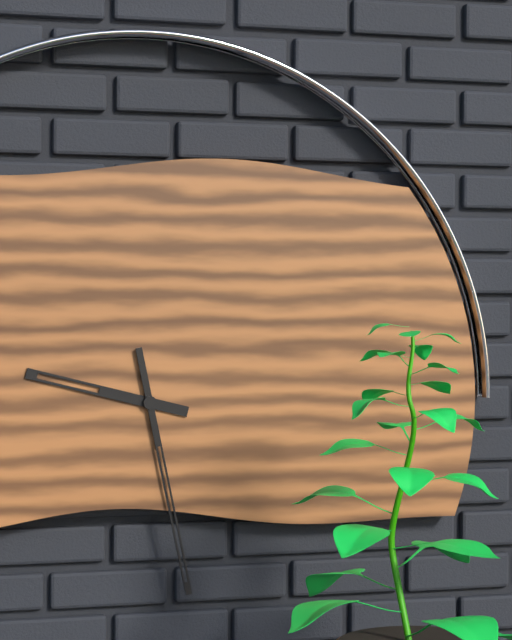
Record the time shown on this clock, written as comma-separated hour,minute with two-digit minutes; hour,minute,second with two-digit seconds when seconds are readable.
9,28
